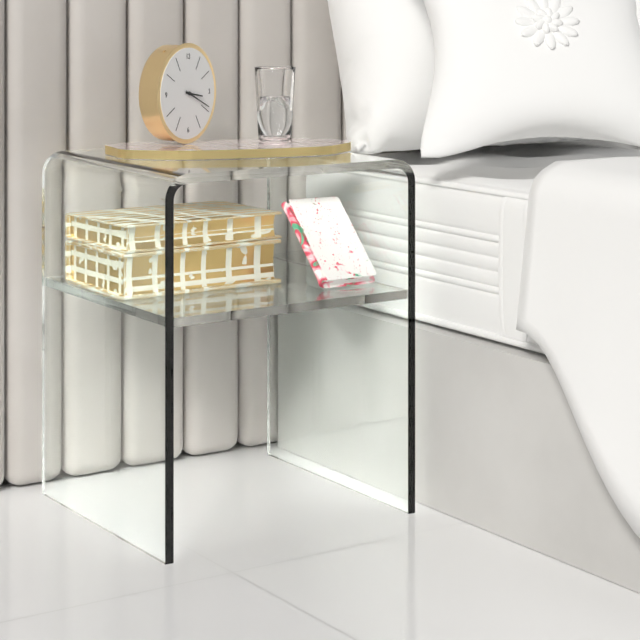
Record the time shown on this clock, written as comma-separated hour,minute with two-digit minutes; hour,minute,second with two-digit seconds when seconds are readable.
3,19
